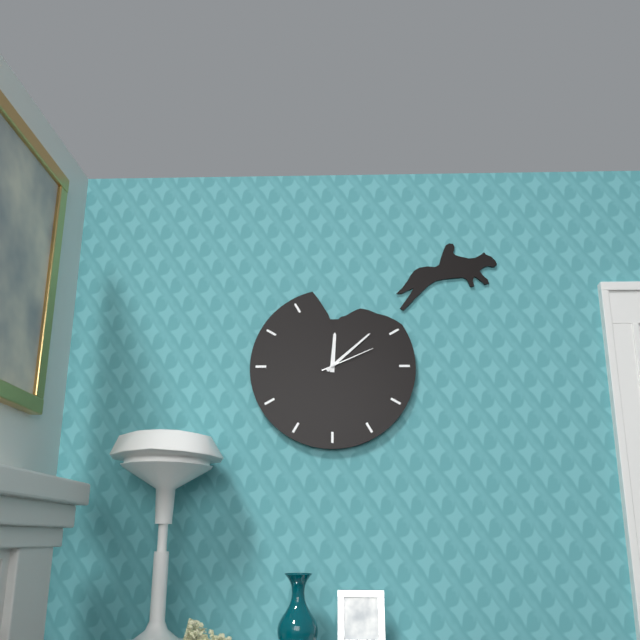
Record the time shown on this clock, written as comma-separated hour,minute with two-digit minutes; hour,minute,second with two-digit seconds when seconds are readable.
12,08,11
